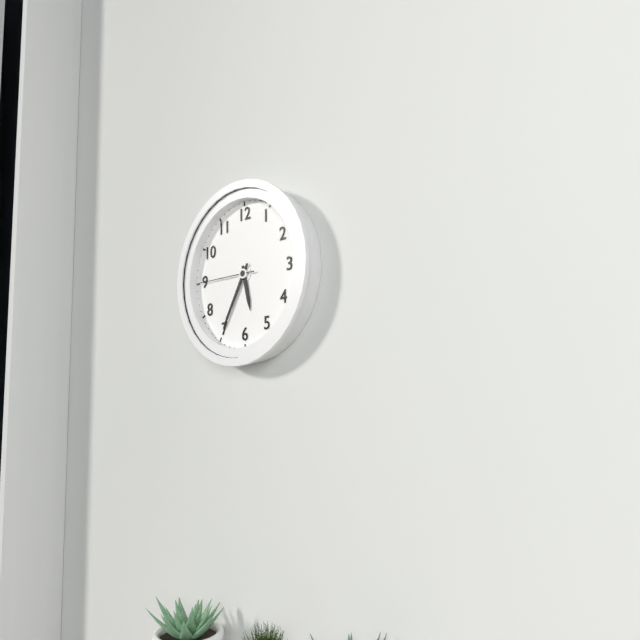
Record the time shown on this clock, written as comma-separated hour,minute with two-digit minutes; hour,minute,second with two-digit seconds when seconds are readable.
5,35,45
